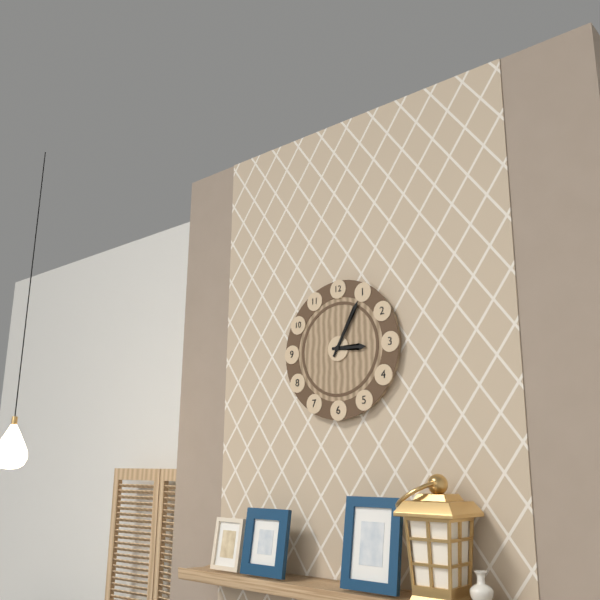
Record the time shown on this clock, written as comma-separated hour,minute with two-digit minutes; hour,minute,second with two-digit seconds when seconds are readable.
3,05
